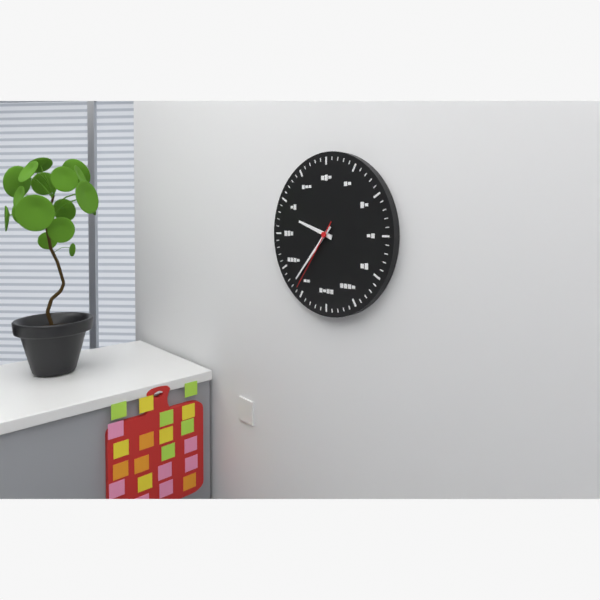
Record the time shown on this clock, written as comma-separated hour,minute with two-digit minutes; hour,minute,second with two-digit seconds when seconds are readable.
9,37,36
